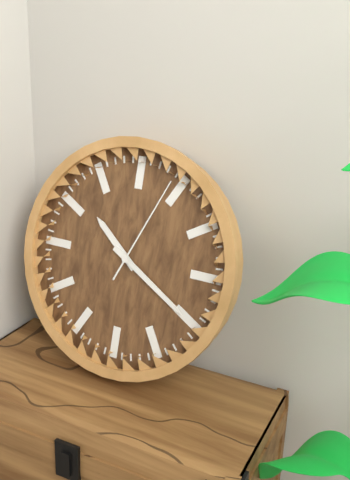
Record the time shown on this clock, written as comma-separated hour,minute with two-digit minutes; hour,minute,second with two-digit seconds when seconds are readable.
10,20,04
